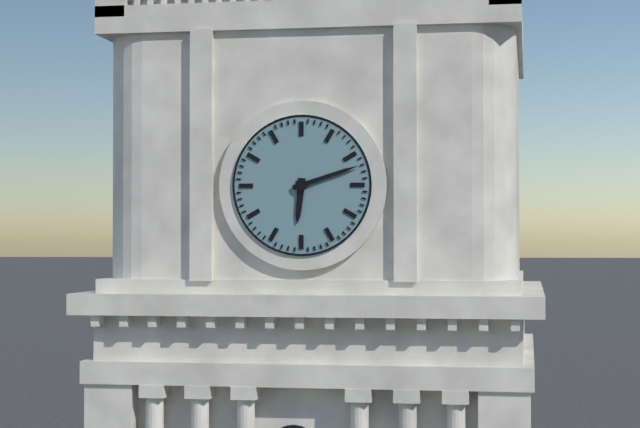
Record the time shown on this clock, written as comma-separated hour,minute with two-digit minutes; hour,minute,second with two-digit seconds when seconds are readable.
6,12
